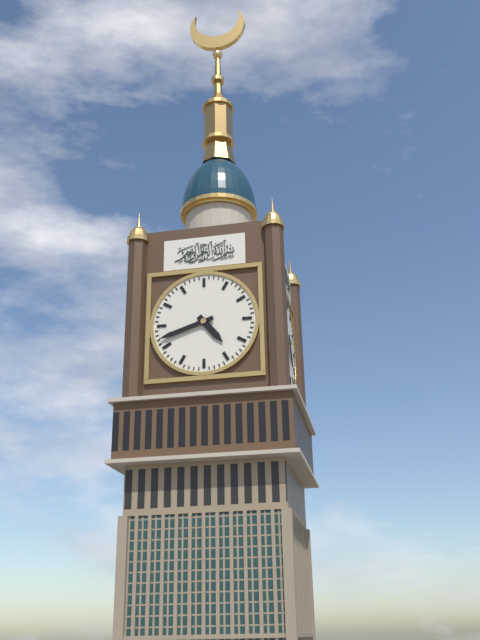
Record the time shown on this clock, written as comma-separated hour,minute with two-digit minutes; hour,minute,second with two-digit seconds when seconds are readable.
4,42
